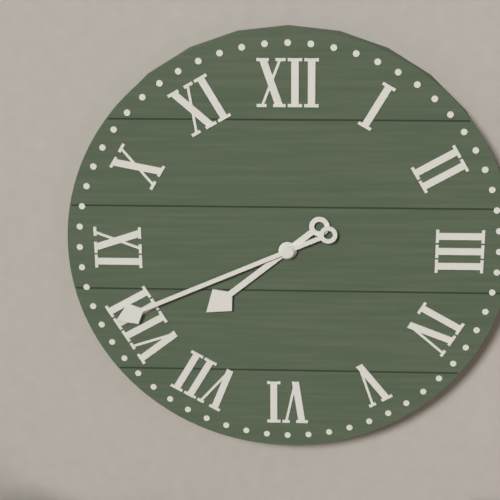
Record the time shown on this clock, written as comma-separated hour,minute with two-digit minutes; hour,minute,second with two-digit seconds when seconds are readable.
7,41
